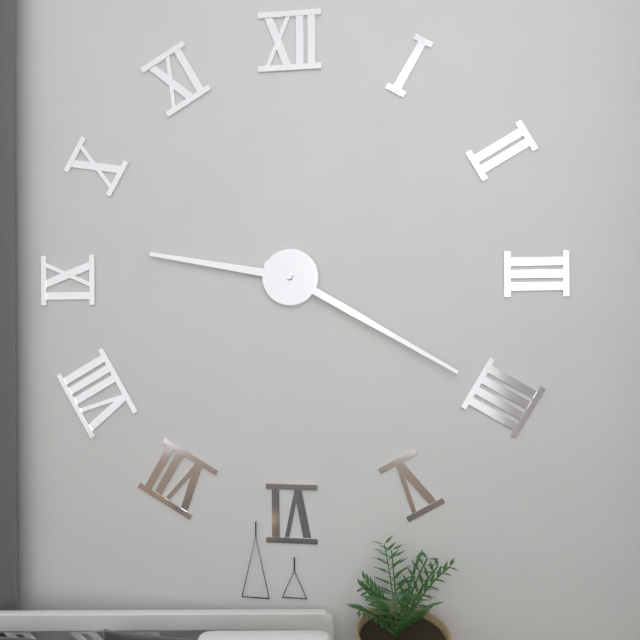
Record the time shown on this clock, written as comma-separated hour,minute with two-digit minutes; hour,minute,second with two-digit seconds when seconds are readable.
9,20
